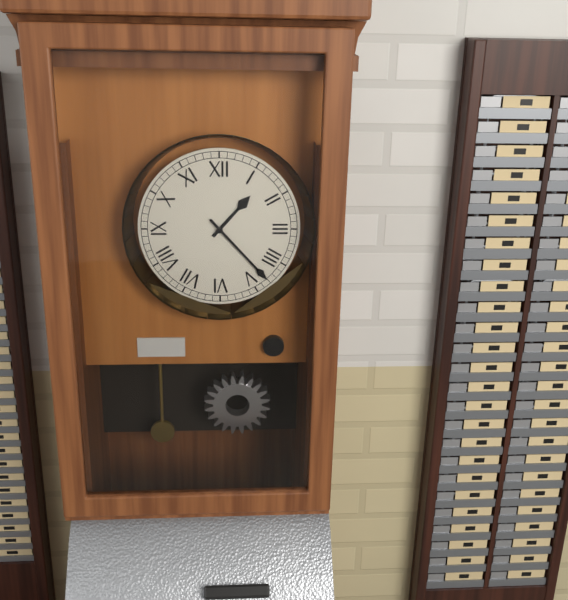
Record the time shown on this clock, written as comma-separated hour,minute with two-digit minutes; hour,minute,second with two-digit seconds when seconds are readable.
1,23
